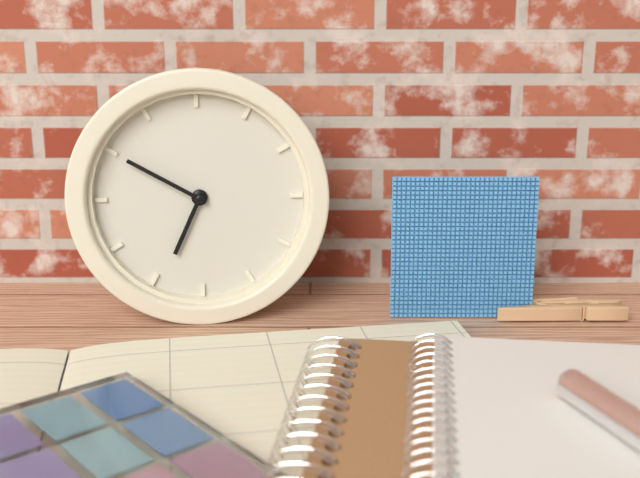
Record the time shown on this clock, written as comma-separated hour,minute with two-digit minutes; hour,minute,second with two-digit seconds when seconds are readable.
6,50
